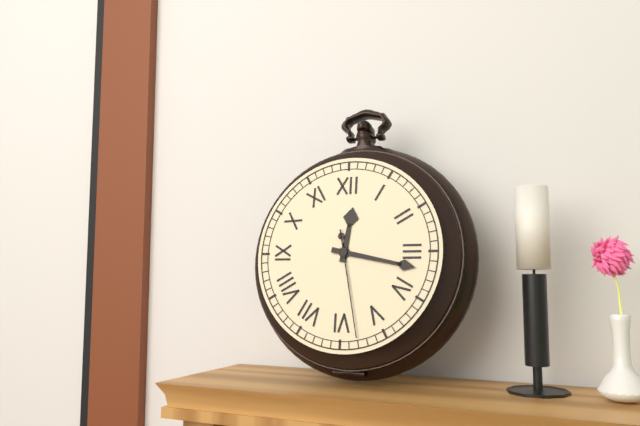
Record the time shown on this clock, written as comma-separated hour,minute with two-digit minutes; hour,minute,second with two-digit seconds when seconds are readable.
12,17,28
